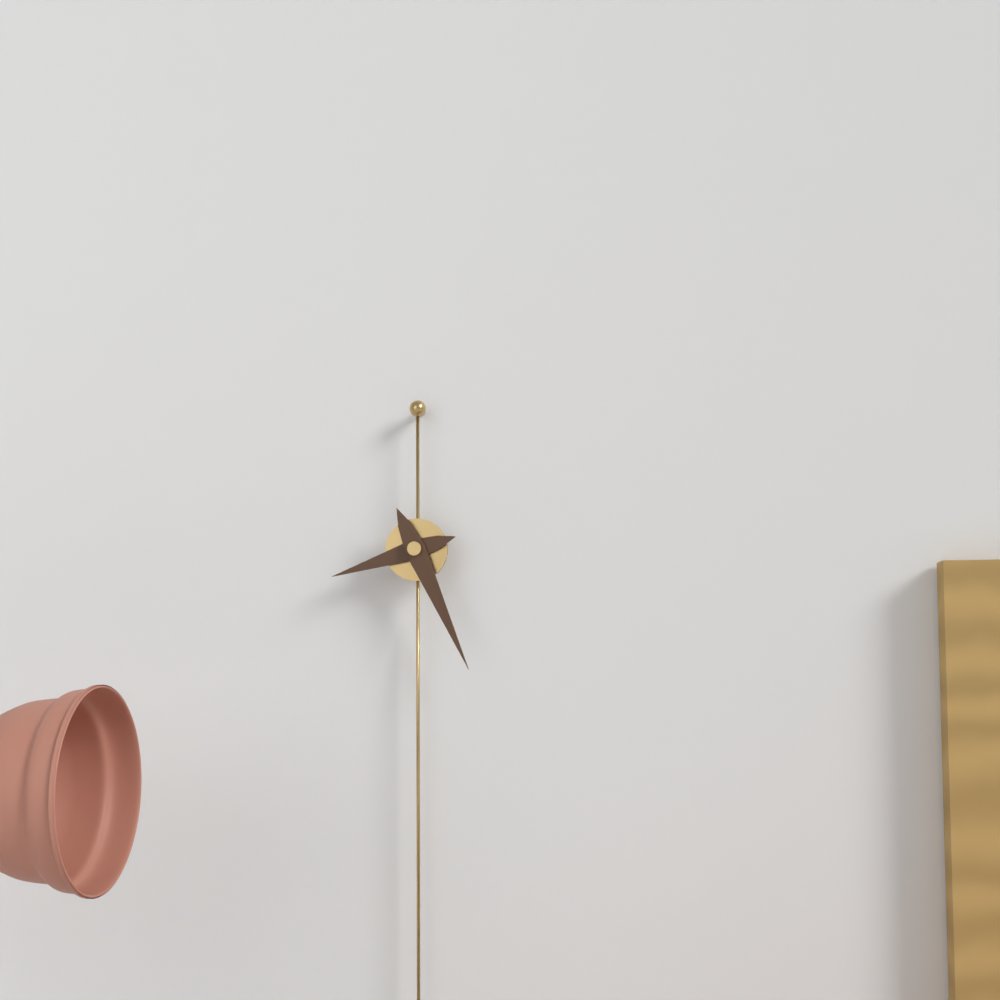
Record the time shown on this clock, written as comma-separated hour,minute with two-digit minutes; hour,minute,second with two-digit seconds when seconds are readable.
8,26
